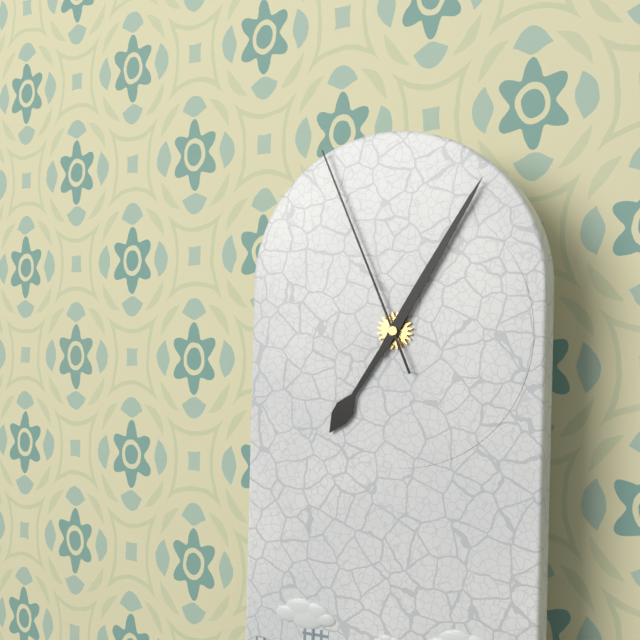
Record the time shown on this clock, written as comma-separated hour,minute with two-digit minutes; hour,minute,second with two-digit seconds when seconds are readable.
7,05,56
